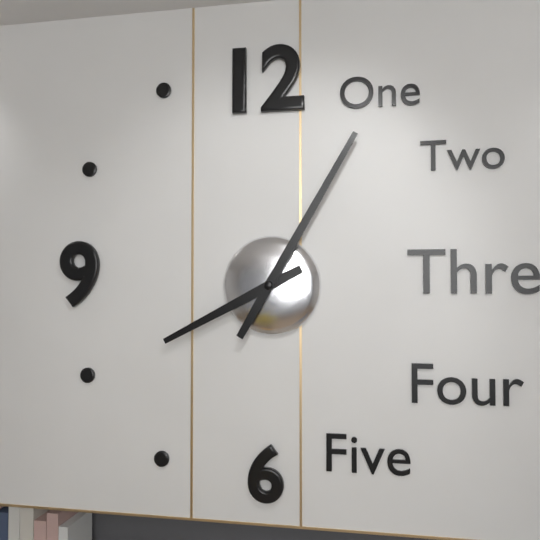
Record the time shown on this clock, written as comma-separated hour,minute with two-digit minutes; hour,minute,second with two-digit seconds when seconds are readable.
8,05
